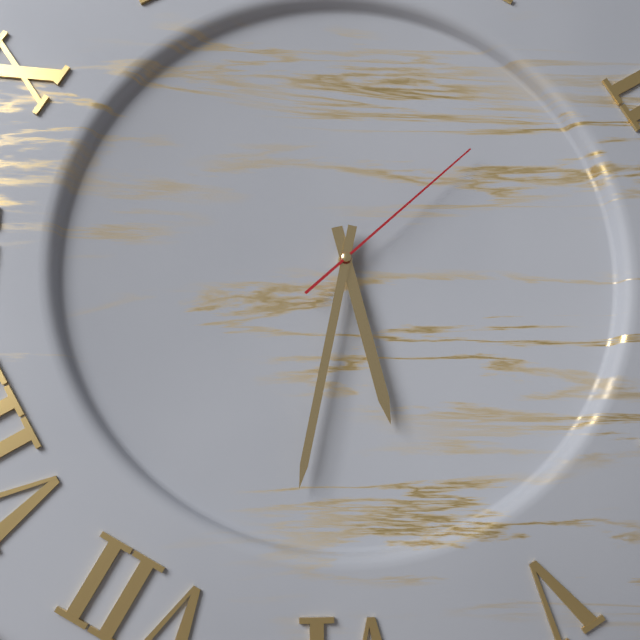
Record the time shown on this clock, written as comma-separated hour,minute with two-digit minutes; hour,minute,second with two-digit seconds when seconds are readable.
5,32,08
